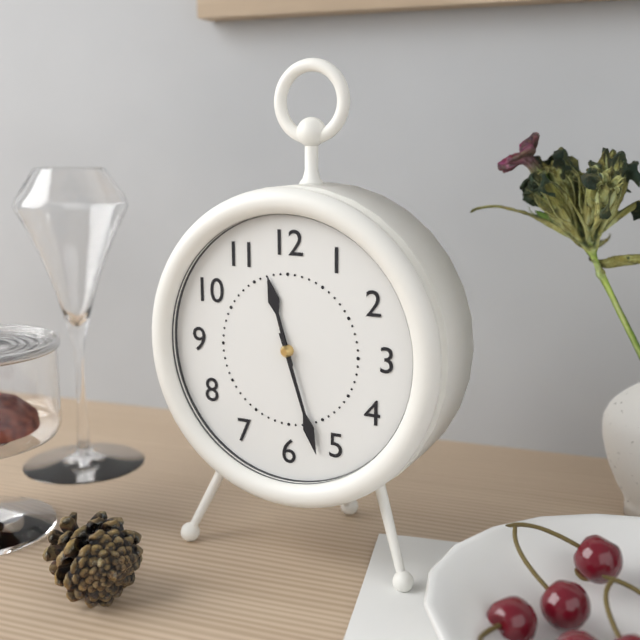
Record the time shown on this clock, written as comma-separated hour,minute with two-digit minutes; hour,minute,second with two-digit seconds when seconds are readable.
11,27
